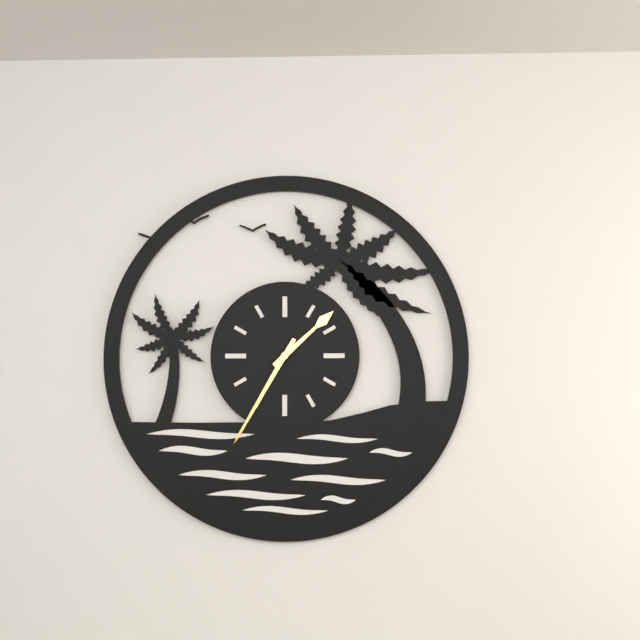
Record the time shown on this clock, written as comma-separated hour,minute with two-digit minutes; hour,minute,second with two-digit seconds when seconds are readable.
1,35
